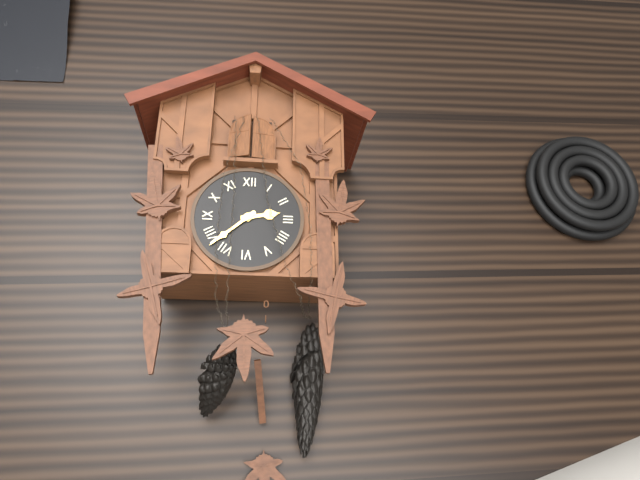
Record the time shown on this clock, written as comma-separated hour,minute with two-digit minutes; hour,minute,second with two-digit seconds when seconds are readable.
2,38
